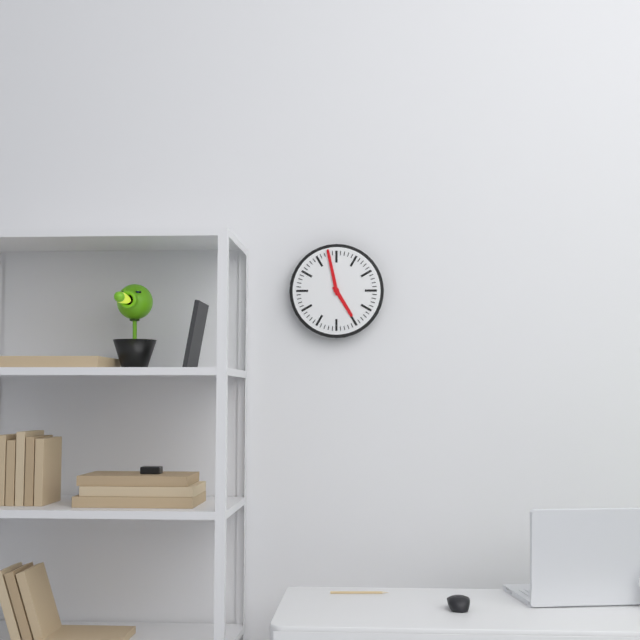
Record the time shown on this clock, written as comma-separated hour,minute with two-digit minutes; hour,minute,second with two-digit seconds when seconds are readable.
4,58
